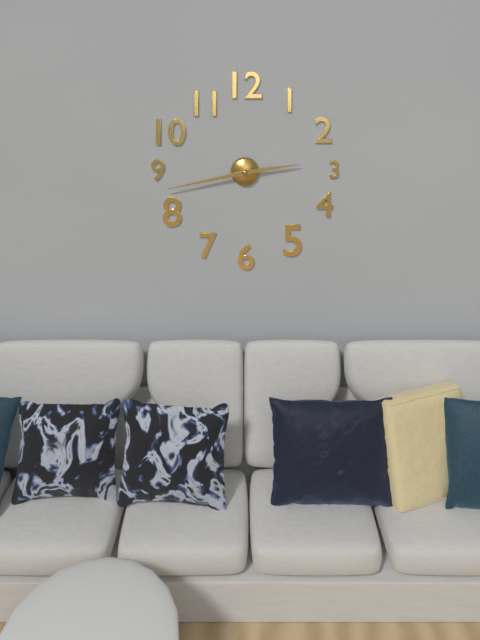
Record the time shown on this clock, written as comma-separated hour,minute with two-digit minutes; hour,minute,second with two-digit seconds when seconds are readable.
2,43
